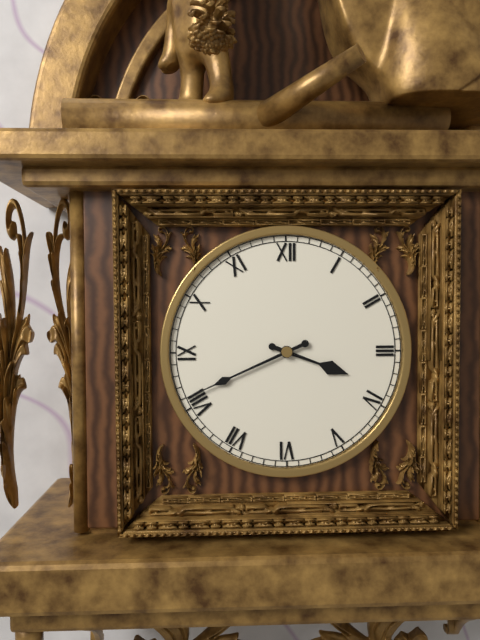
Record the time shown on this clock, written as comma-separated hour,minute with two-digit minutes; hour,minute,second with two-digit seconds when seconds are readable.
3,41
